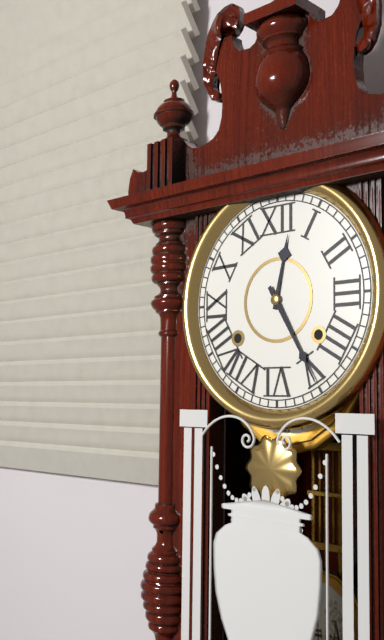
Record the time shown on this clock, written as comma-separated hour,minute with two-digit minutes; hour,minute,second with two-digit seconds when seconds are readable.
12,25
